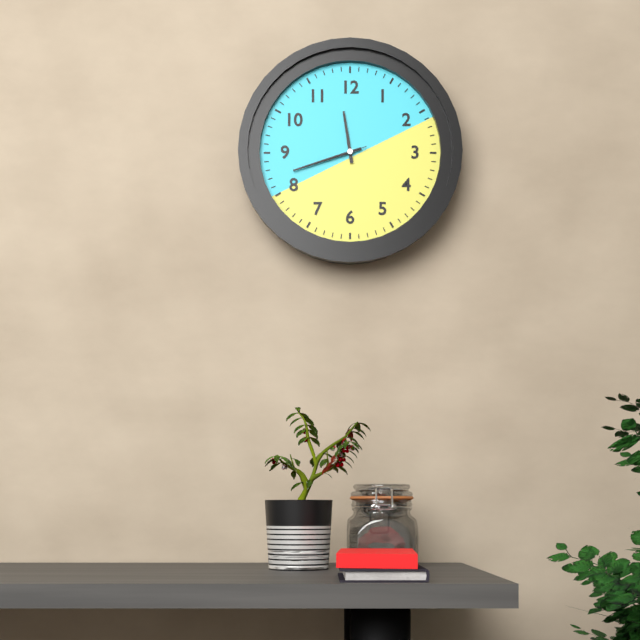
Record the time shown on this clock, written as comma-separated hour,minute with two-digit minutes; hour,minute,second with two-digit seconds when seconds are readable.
11,42,42
